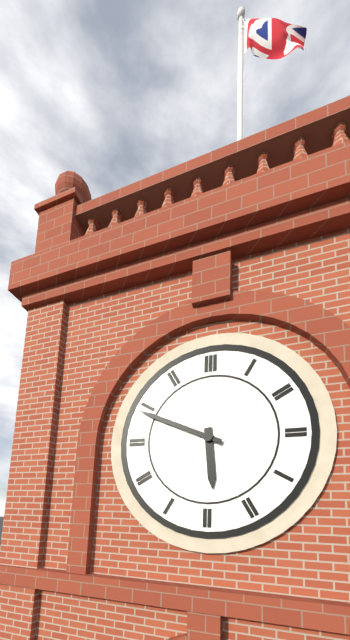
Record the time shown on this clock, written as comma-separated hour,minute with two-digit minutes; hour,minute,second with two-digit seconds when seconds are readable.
5,49
